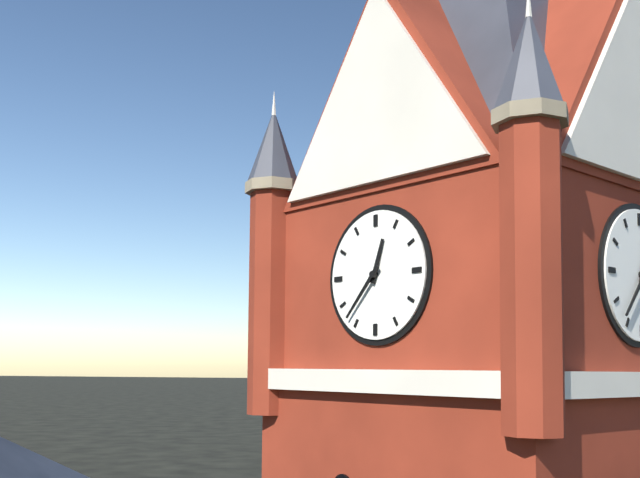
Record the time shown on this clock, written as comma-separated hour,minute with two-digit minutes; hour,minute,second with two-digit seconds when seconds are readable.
12,37
